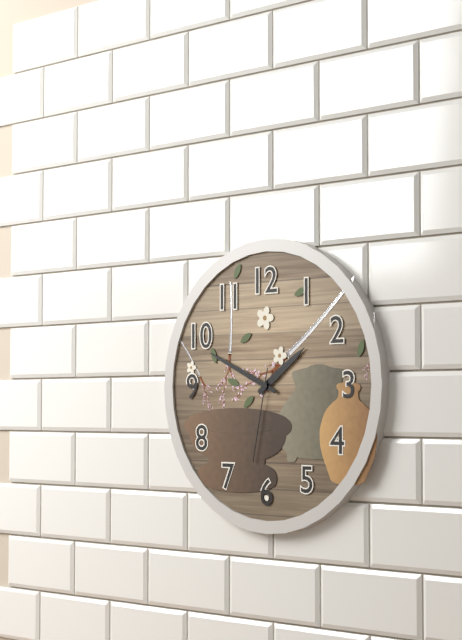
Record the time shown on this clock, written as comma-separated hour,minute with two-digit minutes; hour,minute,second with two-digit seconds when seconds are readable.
1,49,32
